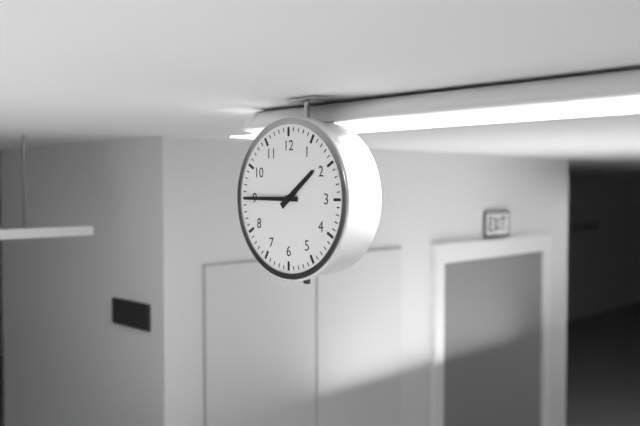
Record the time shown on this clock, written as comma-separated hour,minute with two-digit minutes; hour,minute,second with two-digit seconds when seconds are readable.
1,45
